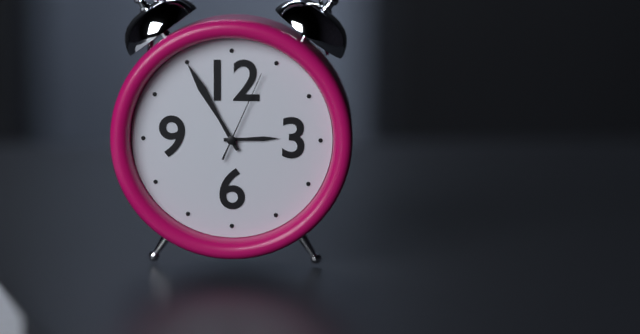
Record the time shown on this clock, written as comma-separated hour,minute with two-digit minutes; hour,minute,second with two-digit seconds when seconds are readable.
2,55,04
